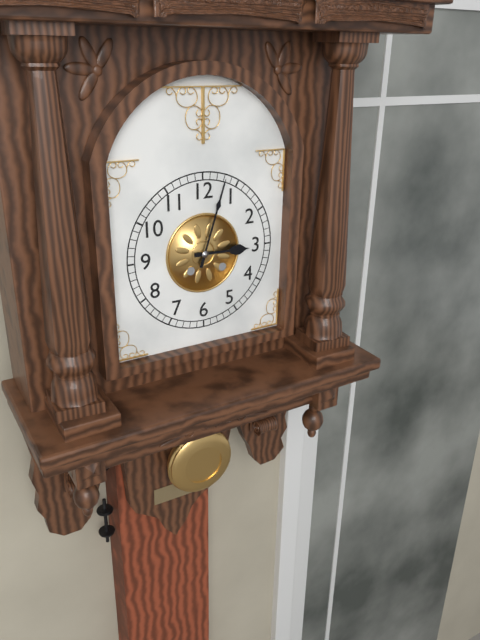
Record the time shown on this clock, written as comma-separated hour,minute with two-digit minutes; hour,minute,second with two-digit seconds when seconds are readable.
3,03
